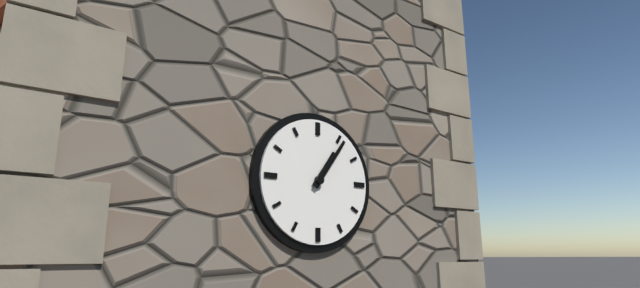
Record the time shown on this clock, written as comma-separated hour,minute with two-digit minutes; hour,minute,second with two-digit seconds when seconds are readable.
1,06
